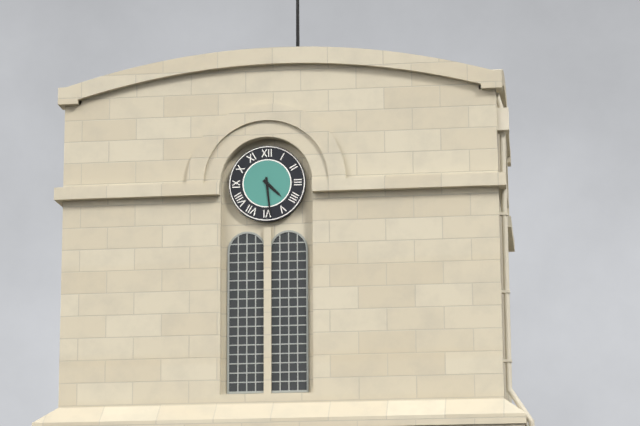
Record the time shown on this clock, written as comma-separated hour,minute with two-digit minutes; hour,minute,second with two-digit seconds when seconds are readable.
4,29
